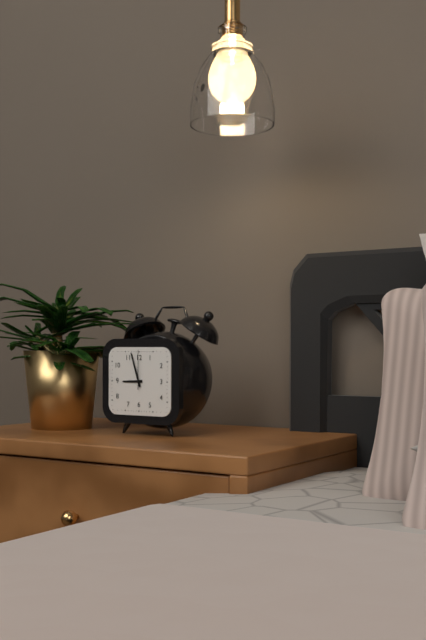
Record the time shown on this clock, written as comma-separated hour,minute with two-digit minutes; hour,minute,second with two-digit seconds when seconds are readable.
8,57
